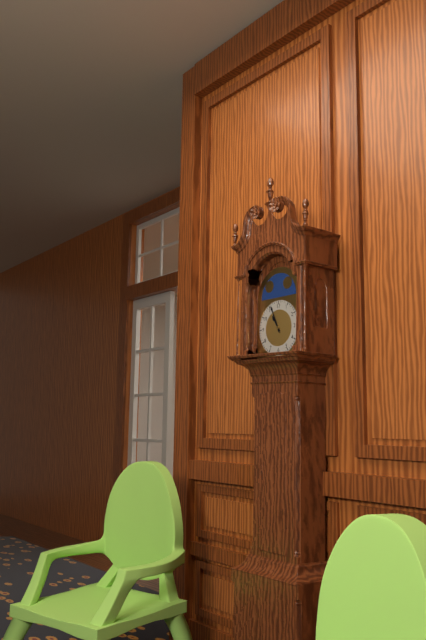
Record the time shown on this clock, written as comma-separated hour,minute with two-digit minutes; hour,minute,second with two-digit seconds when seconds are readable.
10,56
